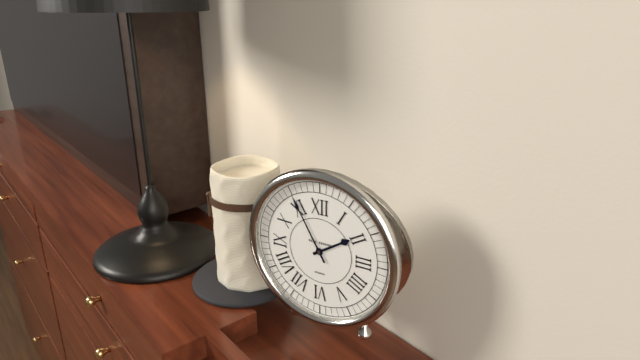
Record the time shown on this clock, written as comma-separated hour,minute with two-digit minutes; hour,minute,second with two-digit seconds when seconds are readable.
1,55
